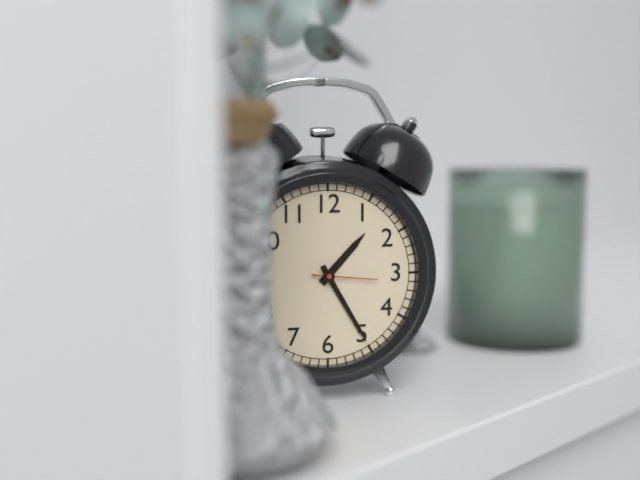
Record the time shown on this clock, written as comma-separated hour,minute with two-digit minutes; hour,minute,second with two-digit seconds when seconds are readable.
1,25,16
